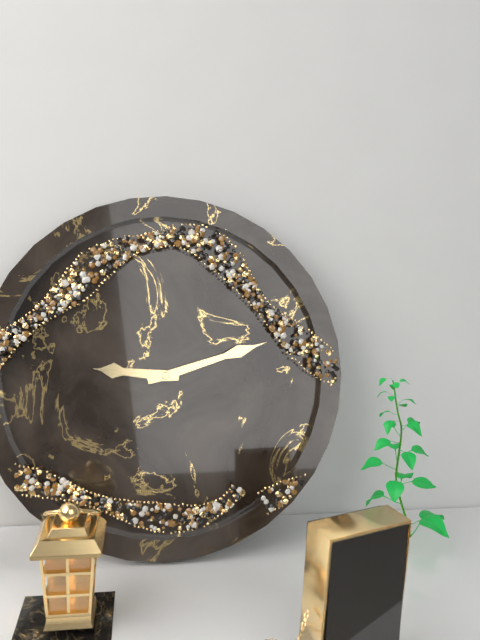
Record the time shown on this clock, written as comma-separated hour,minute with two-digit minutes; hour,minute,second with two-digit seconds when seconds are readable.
9,12
